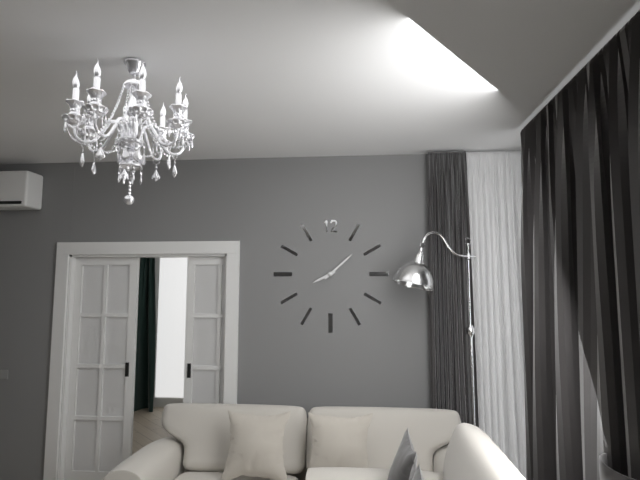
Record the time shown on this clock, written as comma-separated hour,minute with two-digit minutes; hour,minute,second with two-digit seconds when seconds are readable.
8,08
